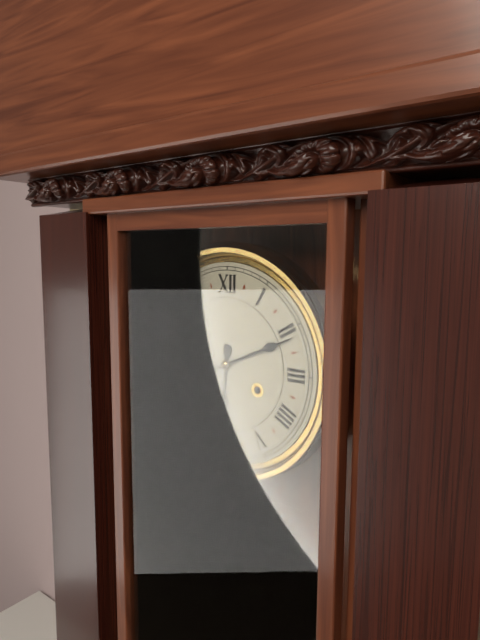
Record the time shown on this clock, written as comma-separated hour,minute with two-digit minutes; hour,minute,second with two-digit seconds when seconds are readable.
6,11
